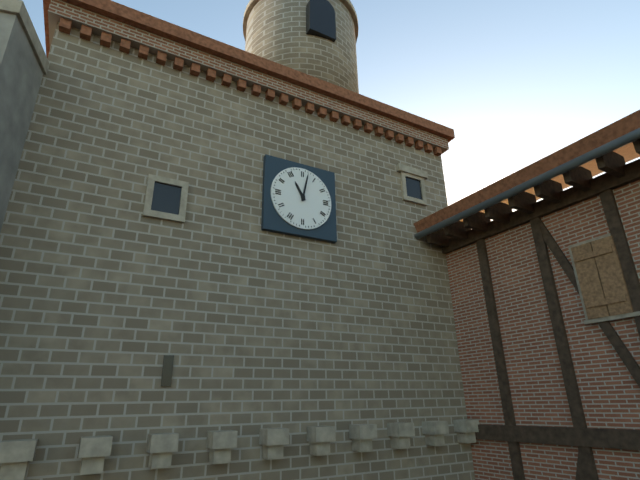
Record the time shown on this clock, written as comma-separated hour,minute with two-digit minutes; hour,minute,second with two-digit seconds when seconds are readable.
11,02
